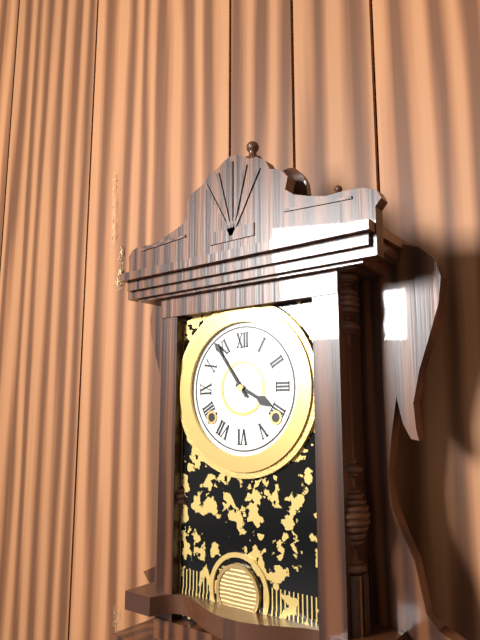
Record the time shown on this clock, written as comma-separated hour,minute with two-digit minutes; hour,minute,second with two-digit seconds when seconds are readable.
3,54
